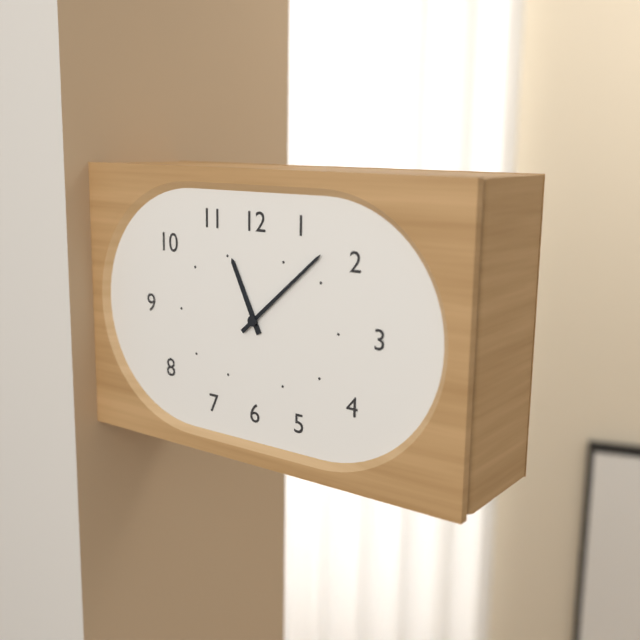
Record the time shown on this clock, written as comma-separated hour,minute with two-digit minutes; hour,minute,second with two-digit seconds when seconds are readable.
11,08
